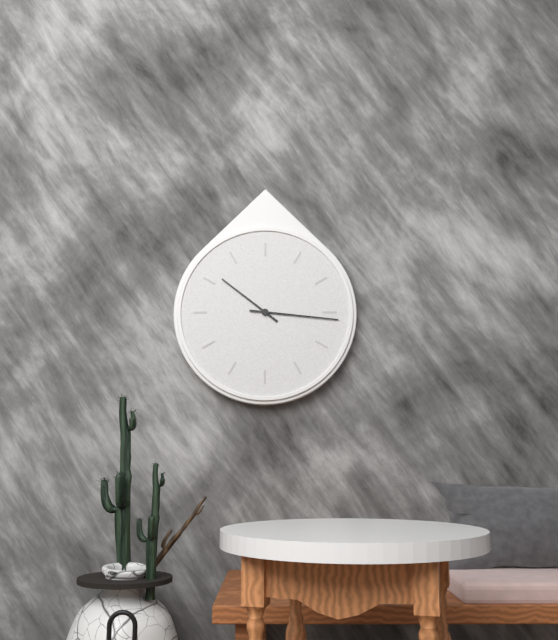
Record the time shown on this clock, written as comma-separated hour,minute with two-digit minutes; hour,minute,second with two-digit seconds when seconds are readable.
10,16
